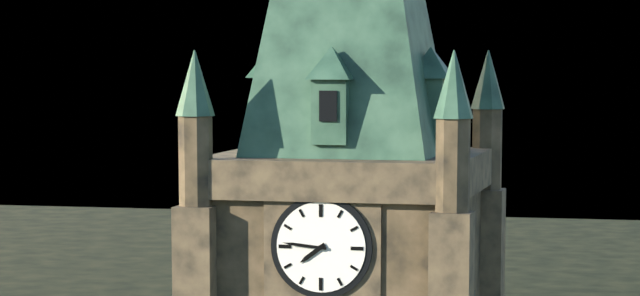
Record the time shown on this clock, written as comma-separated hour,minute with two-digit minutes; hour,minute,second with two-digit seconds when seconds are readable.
7,46
